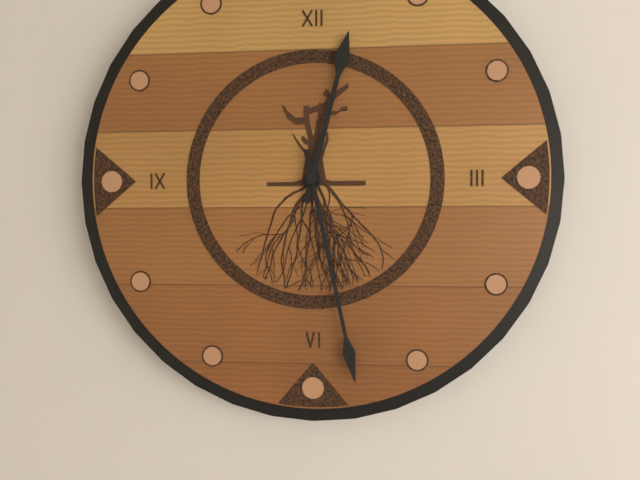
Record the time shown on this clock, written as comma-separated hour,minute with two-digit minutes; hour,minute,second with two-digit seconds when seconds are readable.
12,28
